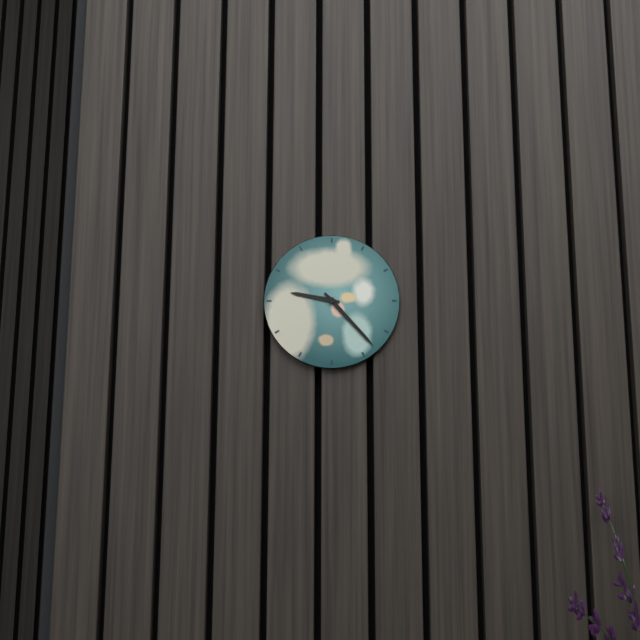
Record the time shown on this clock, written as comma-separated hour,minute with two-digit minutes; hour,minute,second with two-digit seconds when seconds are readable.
9,23
